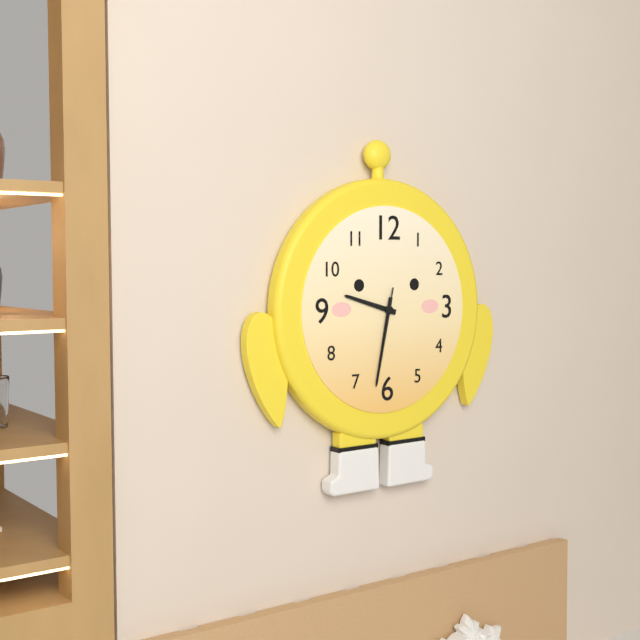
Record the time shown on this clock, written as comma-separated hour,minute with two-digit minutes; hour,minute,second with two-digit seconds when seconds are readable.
9,32,32
